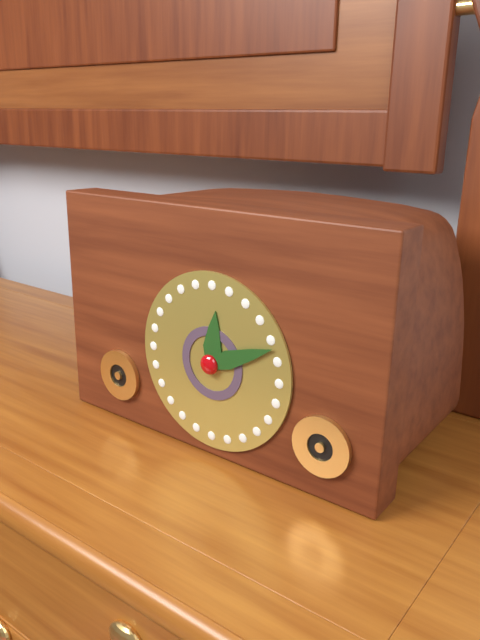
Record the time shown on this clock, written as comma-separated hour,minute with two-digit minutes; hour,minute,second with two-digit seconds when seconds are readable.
12,11
